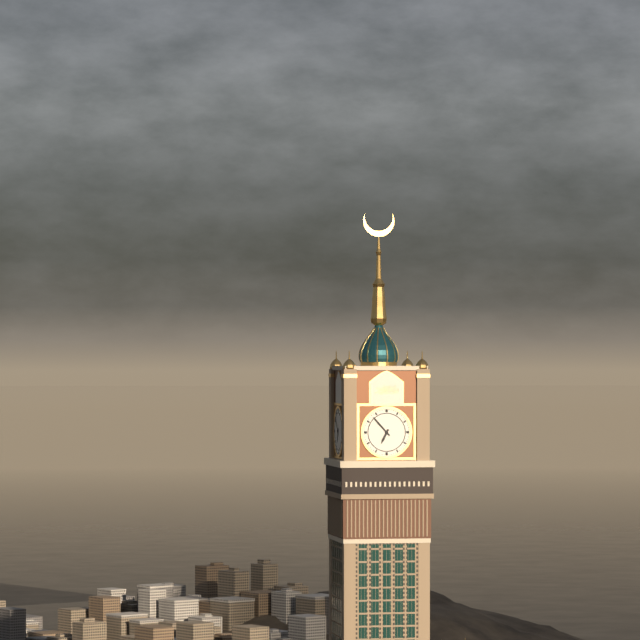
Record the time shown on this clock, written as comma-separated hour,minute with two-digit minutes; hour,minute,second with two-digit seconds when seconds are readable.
6,53
